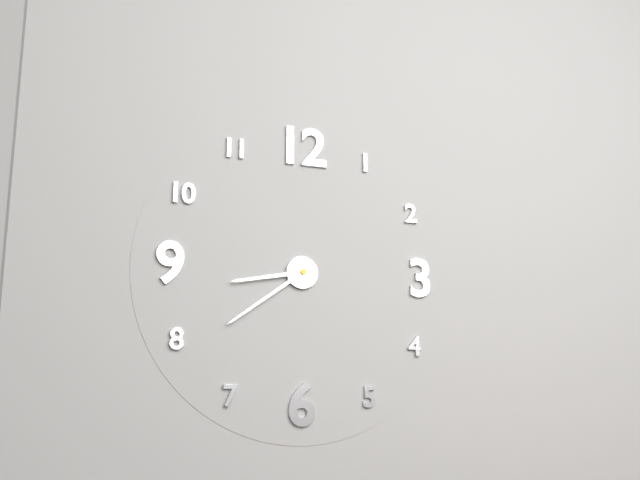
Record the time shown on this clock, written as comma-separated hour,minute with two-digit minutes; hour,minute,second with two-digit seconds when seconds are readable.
8,39
